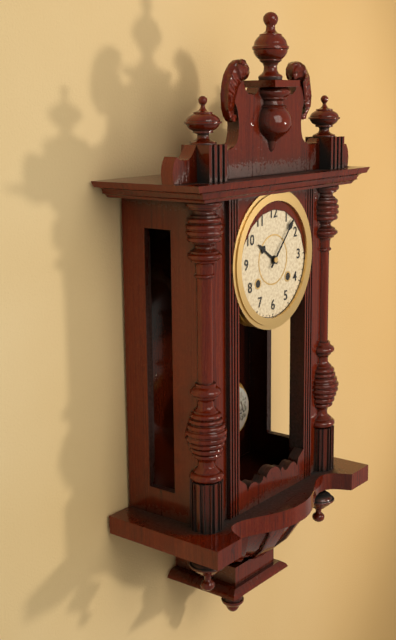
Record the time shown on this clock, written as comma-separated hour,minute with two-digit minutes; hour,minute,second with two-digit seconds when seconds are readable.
10,07
